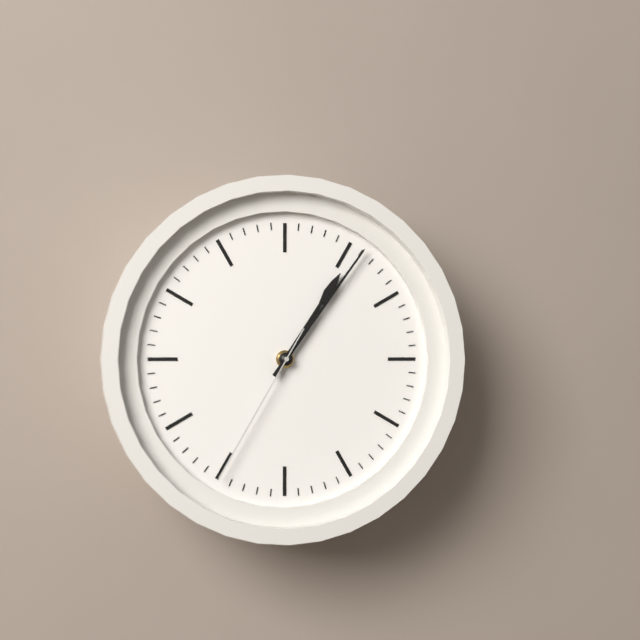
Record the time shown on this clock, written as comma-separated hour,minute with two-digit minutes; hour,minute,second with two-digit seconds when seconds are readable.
1,06,35
